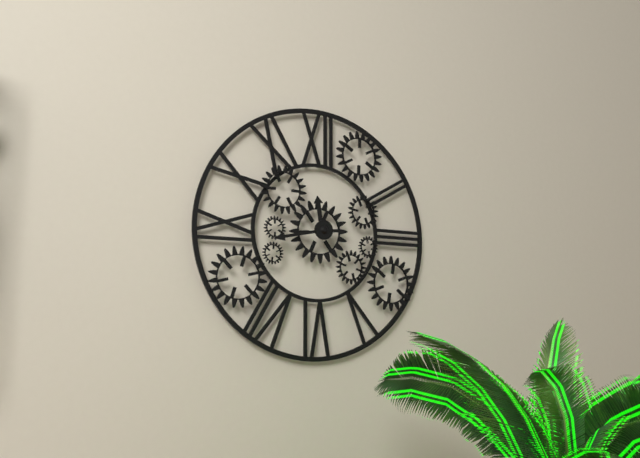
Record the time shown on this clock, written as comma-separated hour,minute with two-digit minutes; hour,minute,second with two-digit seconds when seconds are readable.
11,43
